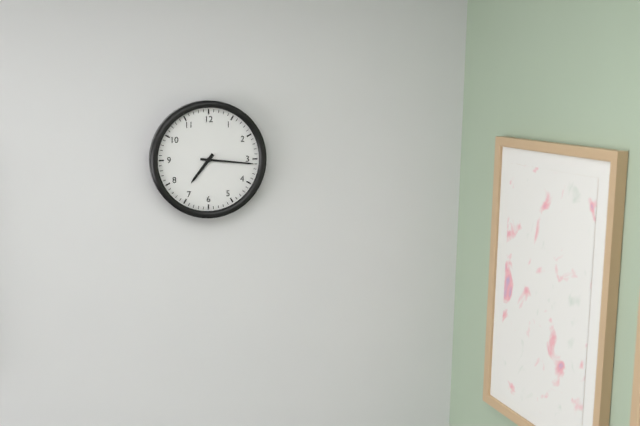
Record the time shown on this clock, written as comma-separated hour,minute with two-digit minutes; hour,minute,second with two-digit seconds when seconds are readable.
7,16
